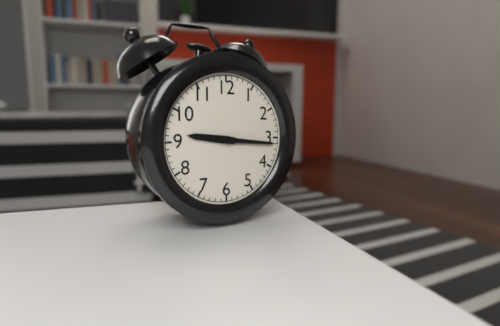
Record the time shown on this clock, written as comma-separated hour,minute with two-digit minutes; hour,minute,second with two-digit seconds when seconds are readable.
9,16
